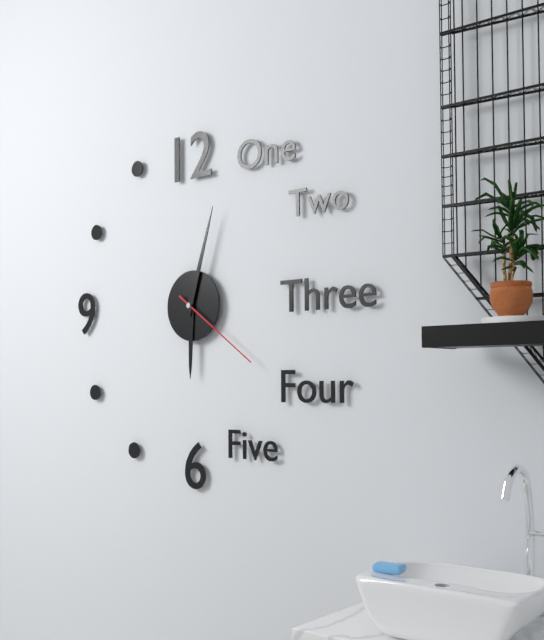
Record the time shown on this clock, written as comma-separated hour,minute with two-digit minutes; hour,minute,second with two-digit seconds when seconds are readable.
6,03,21
